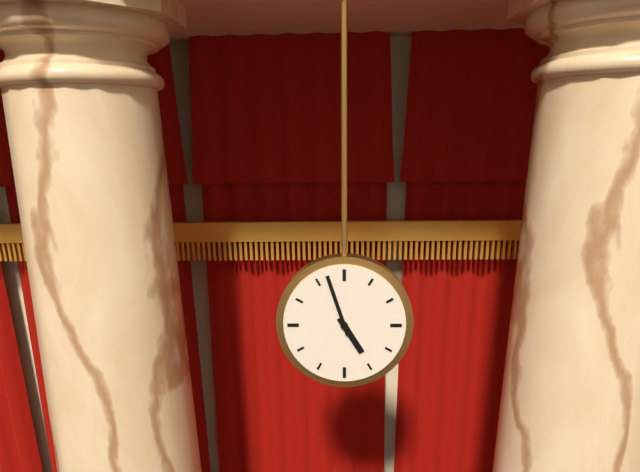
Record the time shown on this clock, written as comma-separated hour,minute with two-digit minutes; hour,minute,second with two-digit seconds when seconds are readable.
4,57
